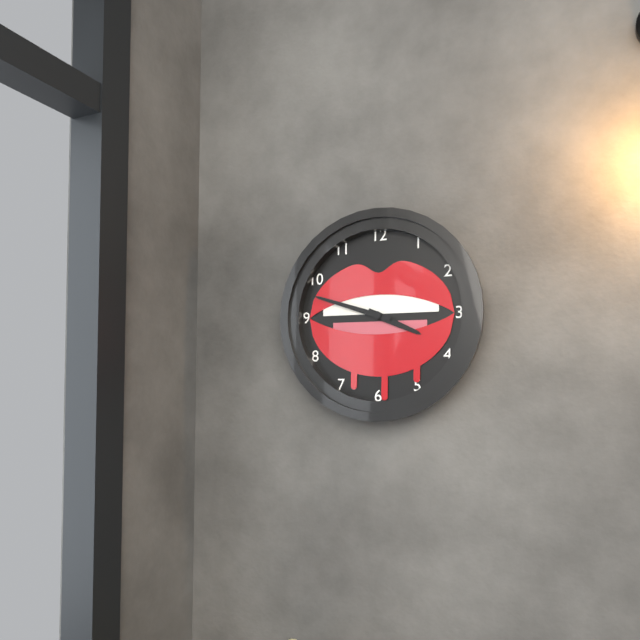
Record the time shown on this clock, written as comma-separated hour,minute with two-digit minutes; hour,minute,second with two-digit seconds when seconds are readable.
3,48
